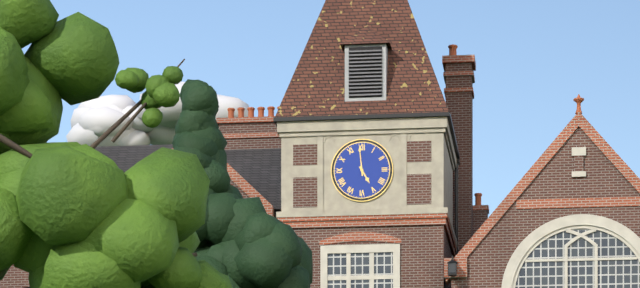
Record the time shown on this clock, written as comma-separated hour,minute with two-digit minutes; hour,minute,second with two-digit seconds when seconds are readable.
4,59
